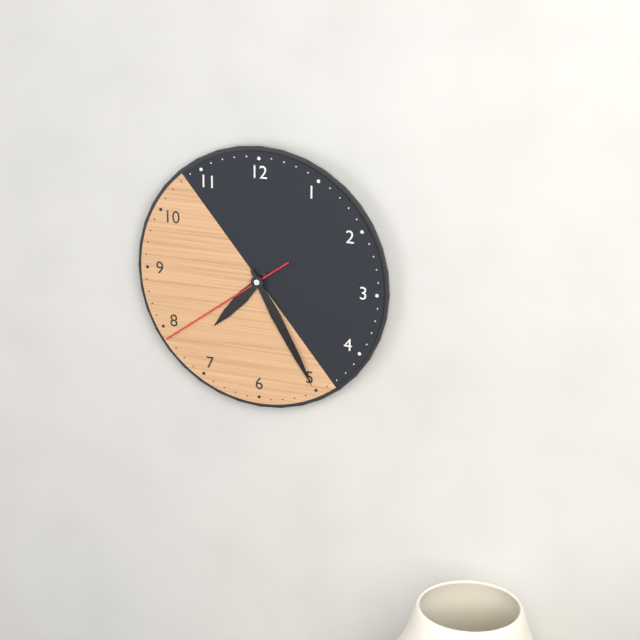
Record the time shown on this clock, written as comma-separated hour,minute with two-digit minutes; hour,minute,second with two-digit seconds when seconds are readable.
7,25,39
